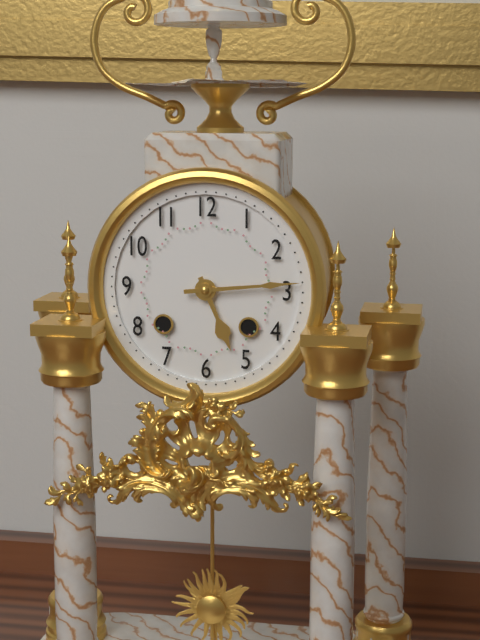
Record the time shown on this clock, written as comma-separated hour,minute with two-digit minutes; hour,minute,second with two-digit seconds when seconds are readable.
5,14
